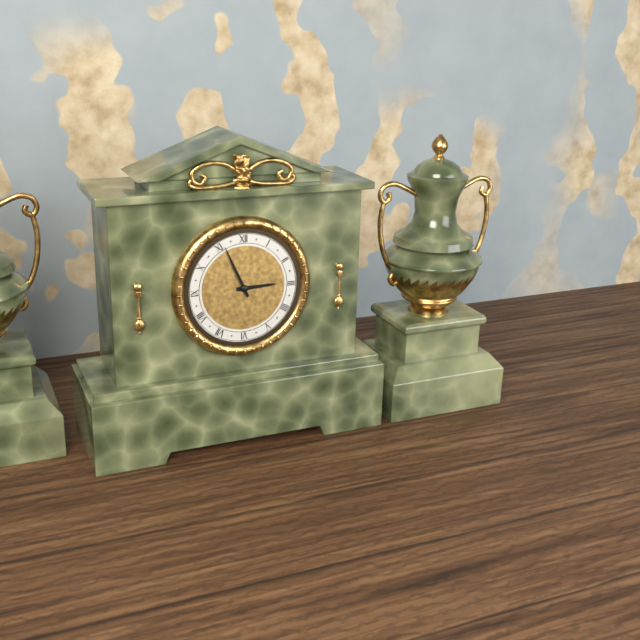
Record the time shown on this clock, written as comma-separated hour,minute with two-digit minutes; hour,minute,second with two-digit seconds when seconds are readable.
2,56
